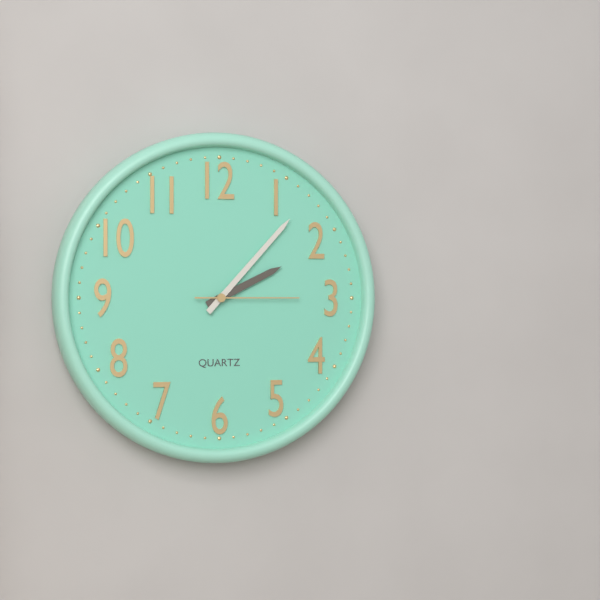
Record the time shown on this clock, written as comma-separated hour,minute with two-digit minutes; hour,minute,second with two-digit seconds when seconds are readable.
2,07,15
